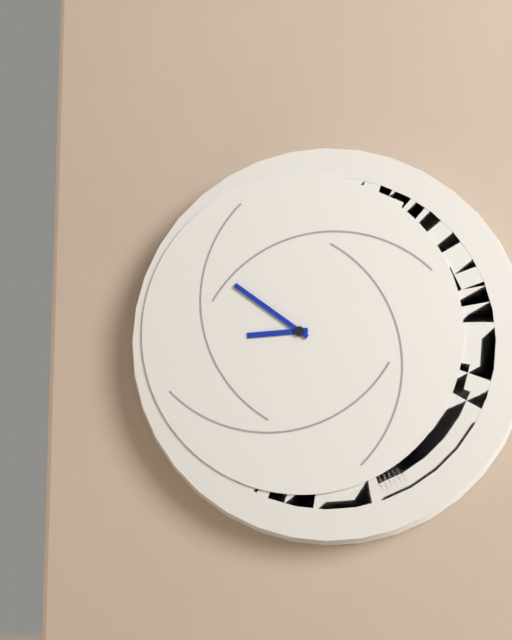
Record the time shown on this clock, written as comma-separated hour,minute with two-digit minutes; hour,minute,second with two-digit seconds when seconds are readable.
8,51
